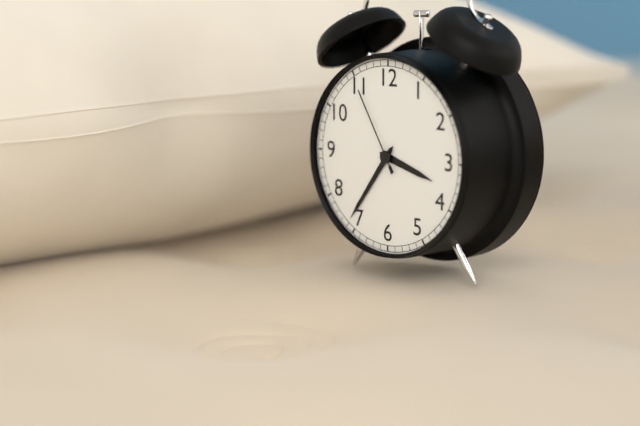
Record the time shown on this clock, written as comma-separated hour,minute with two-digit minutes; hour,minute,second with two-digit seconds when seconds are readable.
3,36,55
